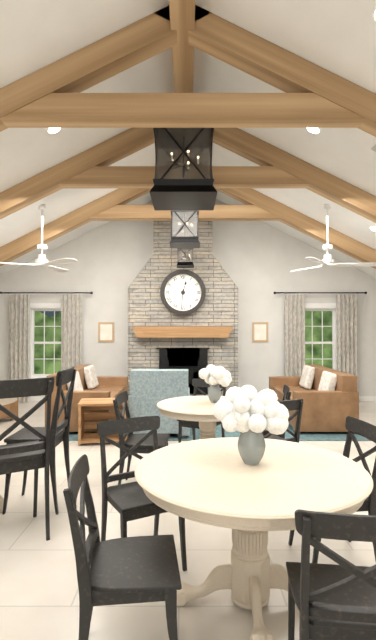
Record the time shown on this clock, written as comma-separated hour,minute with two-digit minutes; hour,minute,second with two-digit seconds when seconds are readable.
12,31
